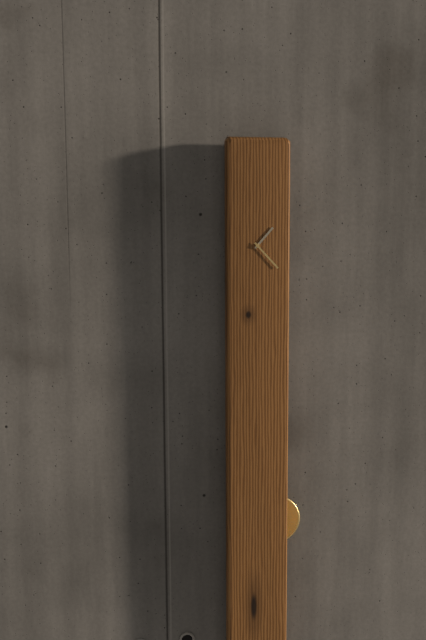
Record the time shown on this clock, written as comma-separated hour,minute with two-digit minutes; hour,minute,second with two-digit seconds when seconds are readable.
1,23
